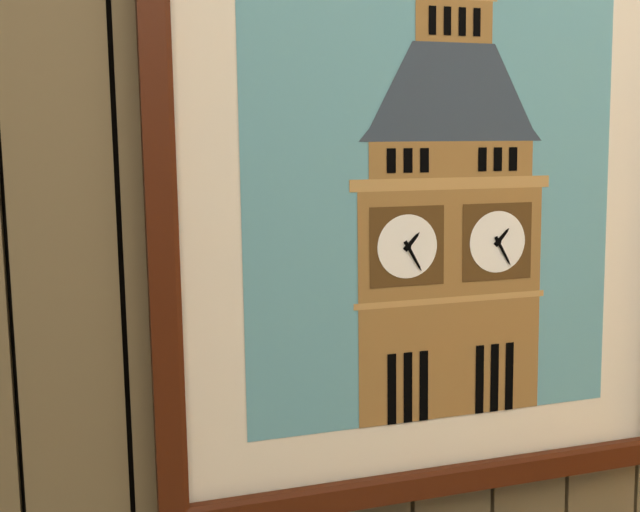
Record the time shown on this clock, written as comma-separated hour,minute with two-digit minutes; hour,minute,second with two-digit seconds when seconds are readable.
1,25
